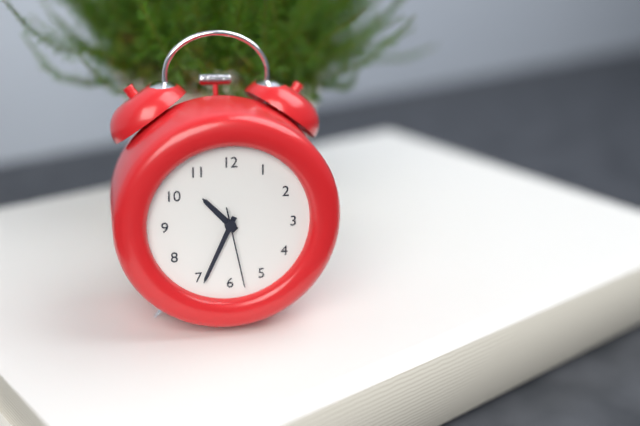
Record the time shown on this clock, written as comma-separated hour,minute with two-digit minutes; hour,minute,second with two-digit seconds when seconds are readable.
10,34,28
